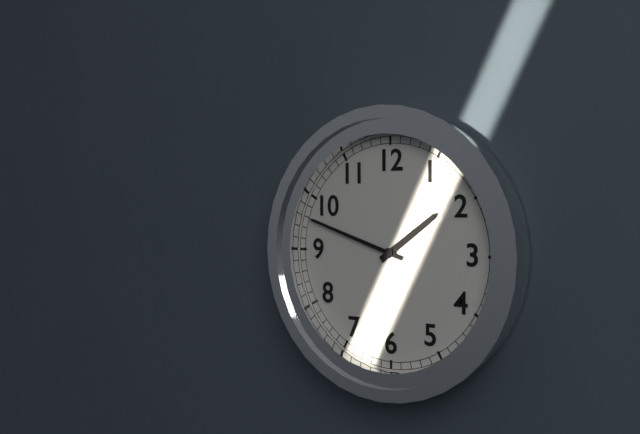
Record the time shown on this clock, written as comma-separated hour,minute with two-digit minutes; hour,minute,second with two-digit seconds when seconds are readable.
1,48
